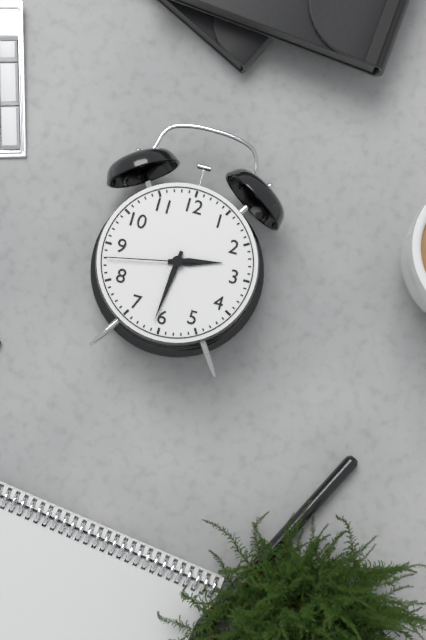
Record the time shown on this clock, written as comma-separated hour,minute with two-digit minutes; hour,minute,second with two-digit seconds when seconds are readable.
2,31,43
